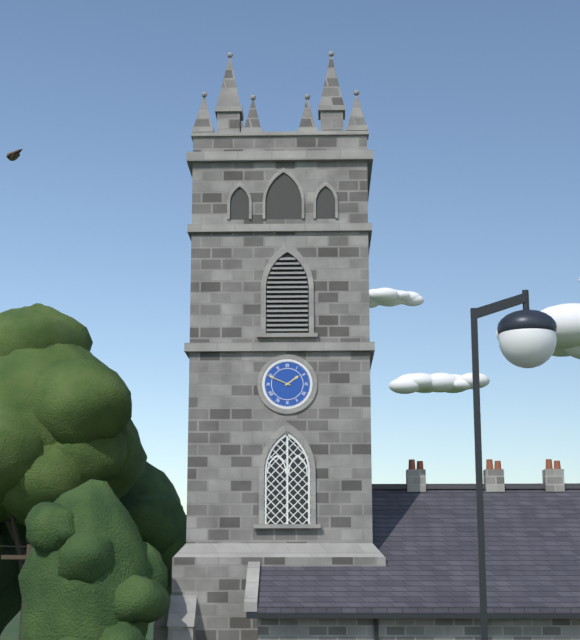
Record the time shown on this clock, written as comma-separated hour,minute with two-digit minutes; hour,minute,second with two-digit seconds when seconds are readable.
1,49
